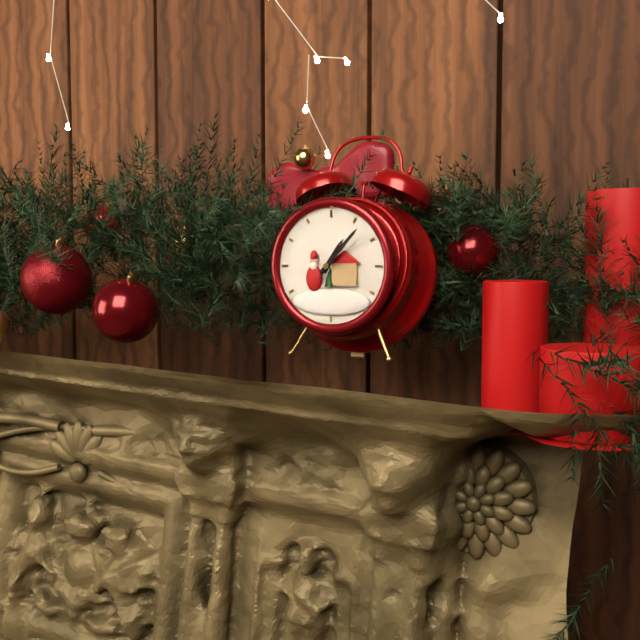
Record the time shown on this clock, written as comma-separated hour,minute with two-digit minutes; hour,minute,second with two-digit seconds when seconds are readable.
1,07
